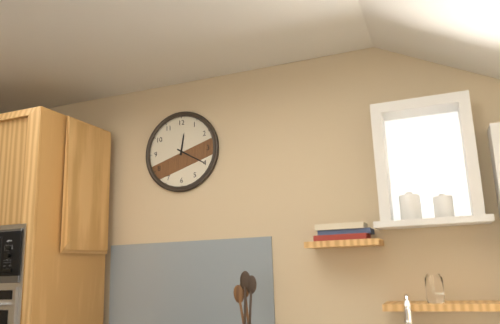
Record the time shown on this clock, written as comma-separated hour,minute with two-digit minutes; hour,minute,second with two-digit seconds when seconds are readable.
12,20
